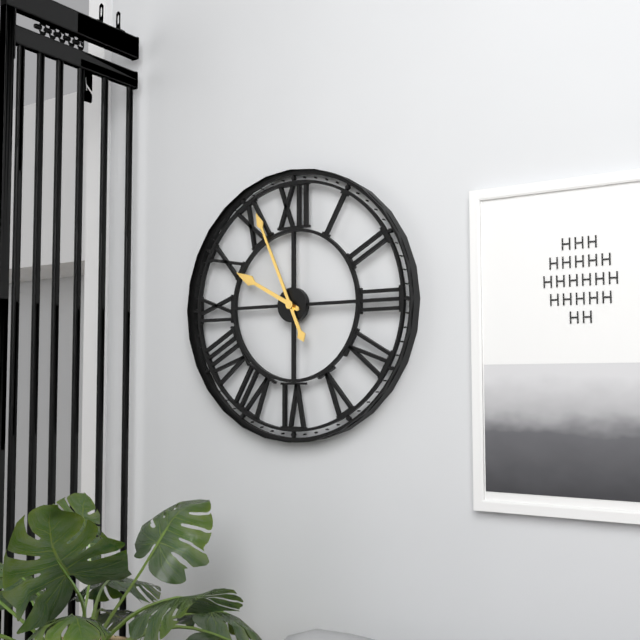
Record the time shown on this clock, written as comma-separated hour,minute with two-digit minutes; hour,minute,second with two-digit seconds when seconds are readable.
9,56
